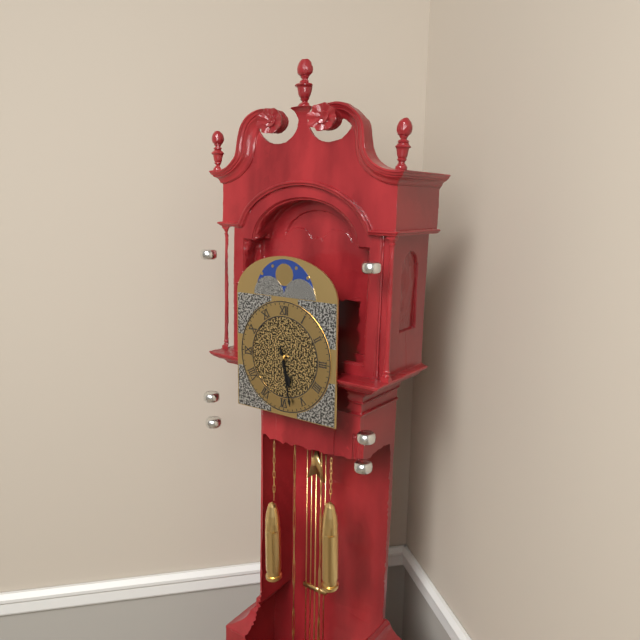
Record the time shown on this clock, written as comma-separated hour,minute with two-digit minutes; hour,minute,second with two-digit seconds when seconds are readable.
5,28
